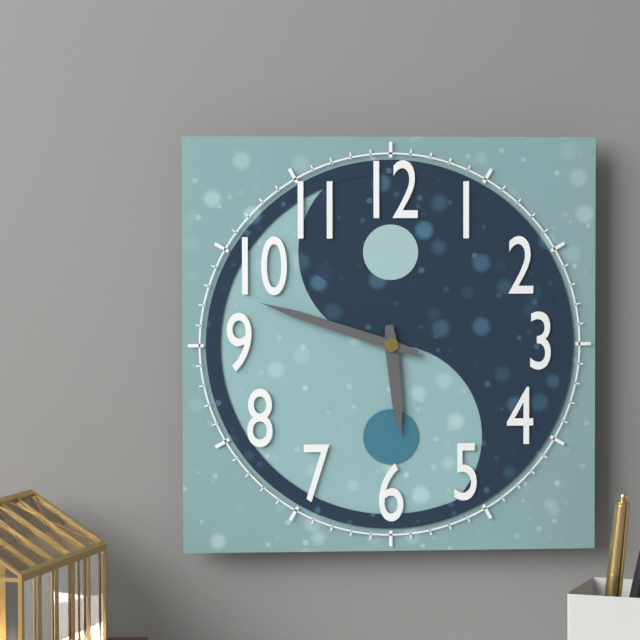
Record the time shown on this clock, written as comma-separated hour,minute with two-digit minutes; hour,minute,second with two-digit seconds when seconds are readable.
5,48
